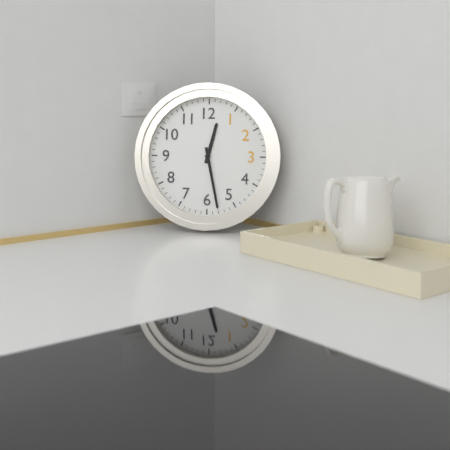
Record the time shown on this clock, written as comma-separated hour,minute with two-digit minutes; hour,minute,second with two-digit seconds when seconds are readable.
12,28
